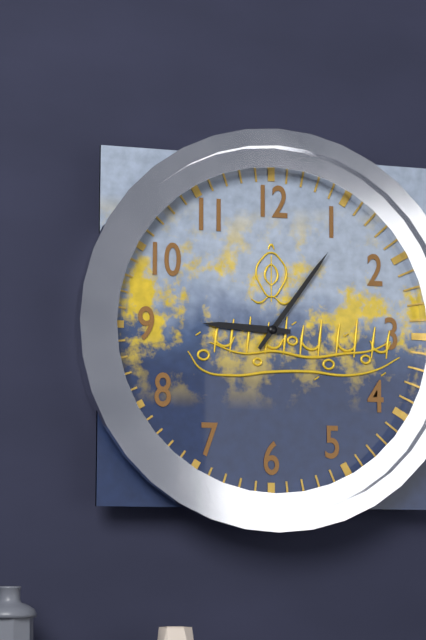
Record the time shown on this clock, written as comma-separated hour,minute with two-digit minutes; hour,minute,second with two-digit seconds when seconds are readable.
9,06
